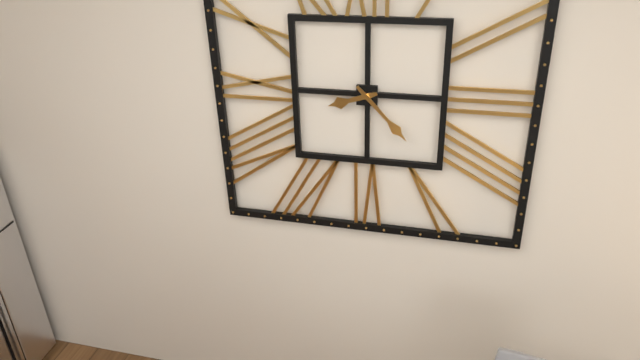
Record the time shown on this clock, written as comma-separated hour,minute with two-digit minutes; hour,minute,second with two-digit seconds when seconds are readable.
8,23
